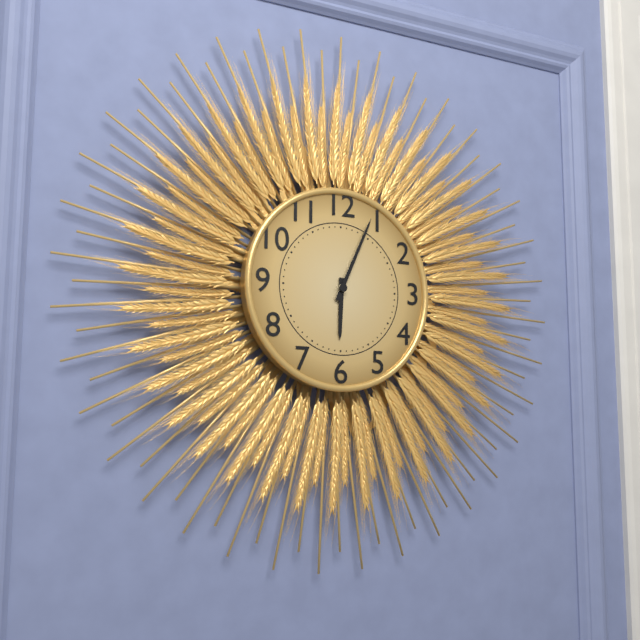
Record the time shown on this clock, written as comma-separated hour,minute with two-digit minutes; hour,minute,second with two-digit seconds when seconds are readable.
6,04
